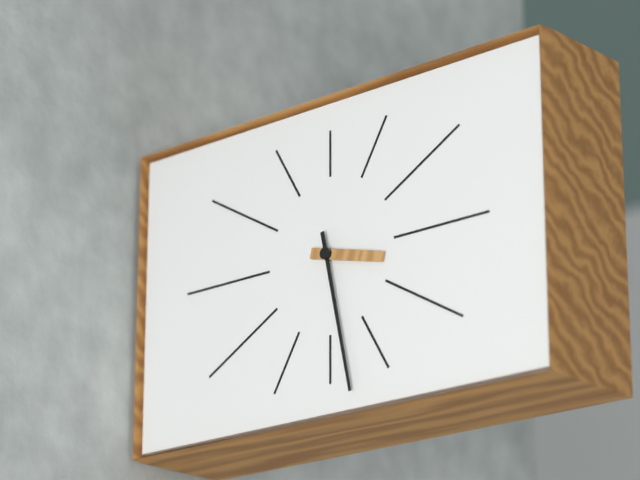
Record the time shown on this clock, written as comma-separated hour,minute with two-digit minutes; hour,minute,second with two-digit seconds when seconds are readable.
3,28
